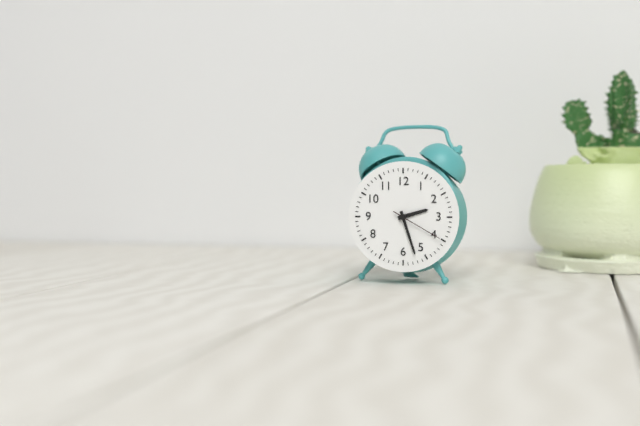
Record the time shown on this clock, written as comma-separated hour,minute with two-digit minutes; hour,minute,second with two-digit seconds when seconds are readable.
2,27,20
